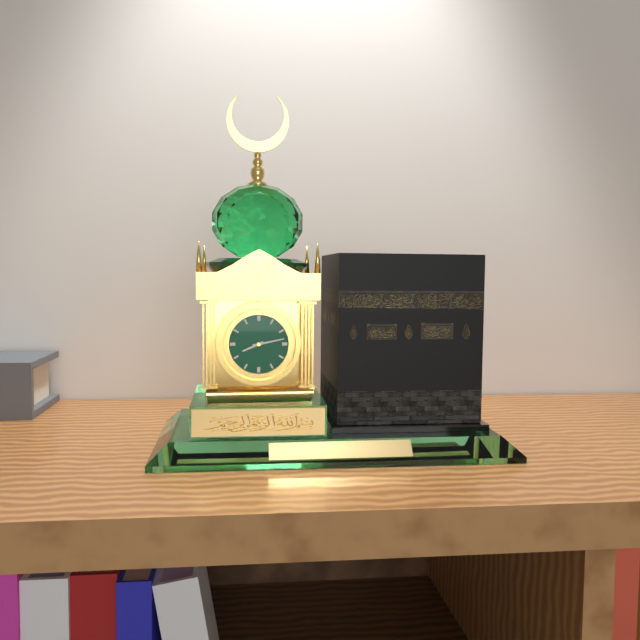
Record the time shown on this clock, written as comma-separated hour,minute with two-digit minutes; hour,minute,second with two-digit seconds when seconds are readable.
8,13
